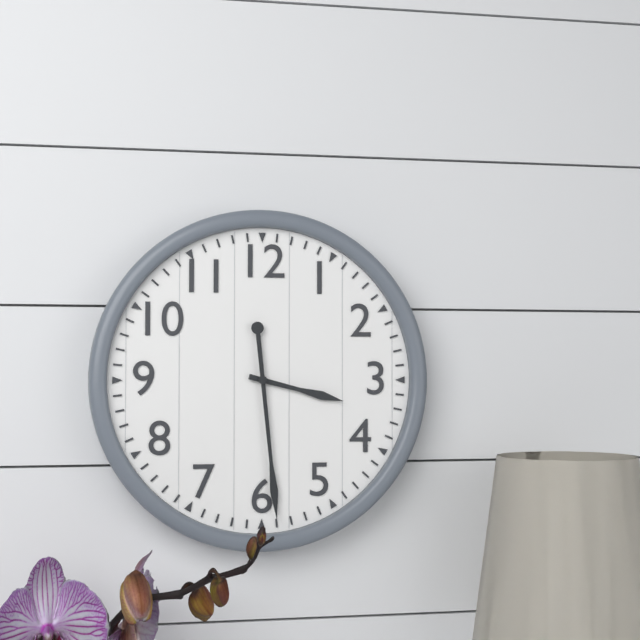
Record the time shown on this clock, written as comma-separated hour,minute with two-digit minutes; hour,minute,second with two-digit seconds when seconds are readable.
3,29
